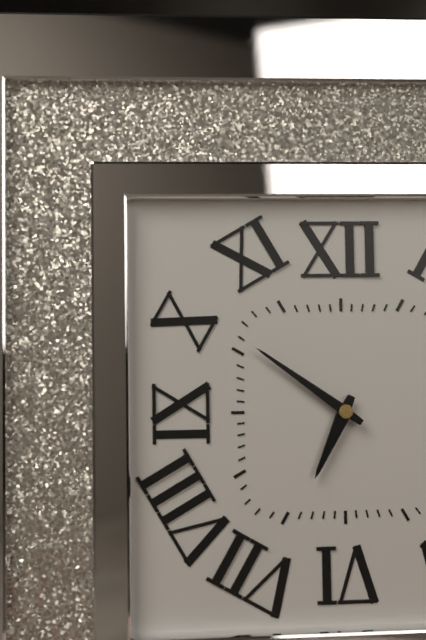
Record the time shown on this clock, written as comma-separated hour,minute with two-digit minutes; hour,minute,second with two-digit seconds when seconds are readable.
6,51
